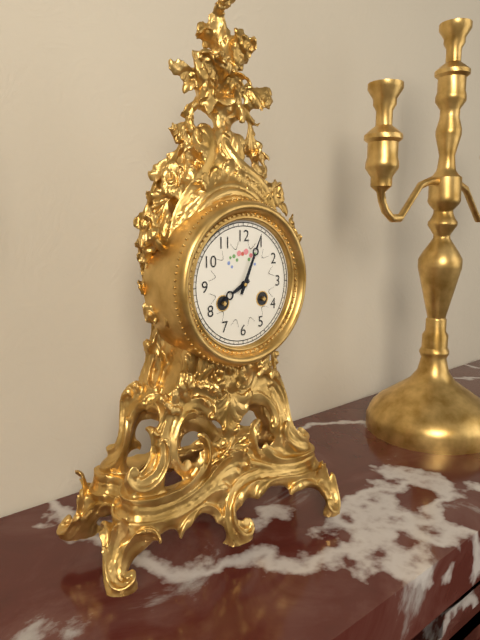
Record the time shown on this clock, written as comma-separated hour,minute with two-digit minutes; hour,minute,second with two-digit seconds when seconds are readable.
8,04
